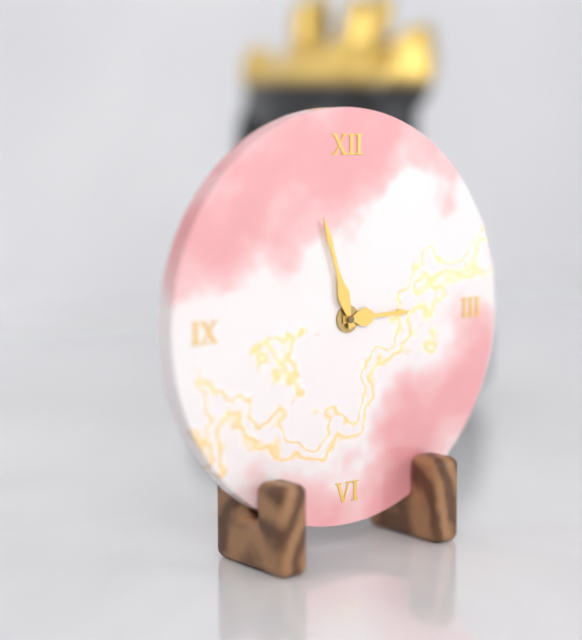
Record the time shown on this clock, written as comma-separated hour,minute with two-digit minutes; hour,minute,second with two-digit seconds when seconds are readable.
2,57
